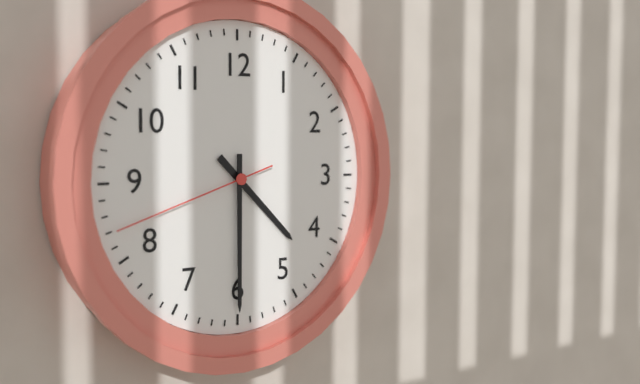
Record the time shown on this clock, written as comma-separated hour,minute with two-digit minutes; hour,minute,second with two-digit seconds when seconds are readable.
4,30,42
